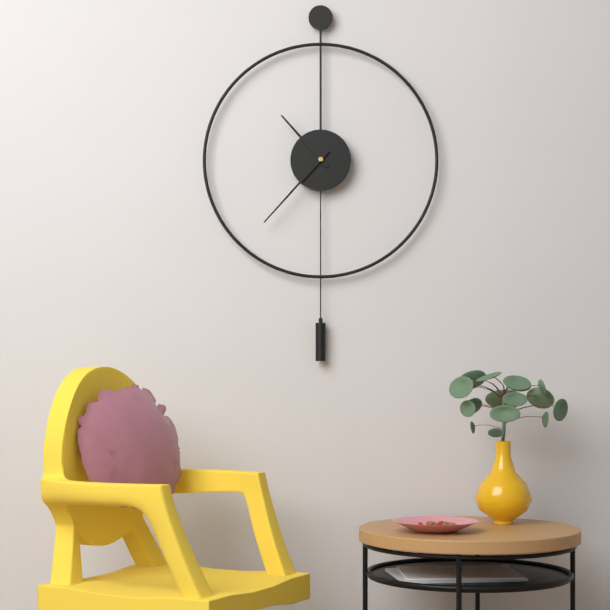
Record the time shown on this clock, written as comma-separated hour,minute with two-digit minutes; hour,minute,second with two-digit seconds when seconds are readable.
10,37
